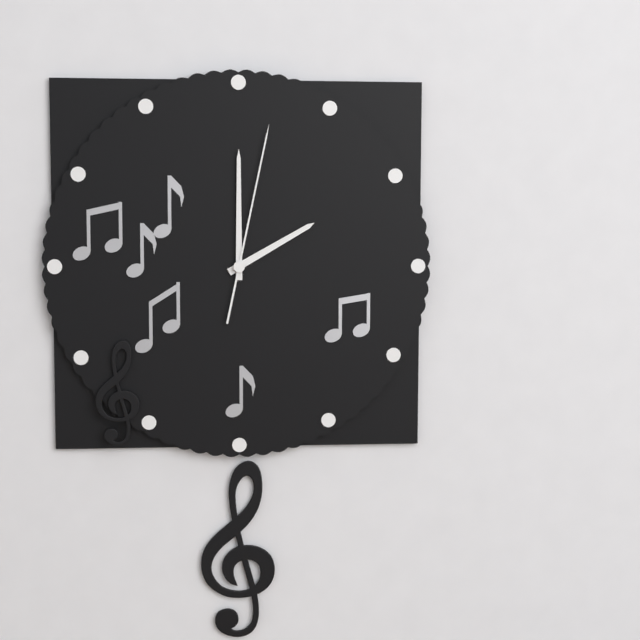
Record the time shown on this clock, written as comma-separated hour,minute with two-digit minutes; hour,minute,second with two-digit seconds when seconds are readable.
2,00,02
